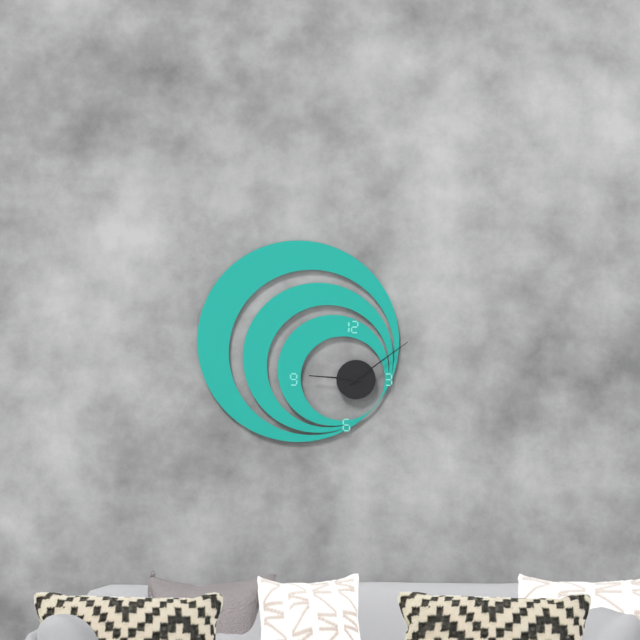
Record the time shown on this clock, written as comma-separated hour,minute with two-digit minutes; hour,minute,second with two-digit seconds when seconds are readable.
9,09
